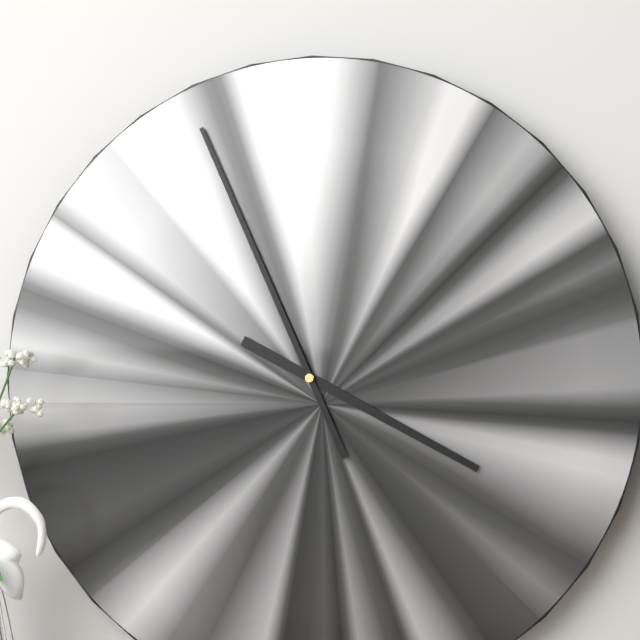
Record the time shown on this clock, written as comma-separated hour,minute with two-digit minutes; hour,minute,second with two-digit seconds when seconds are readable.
3,56
